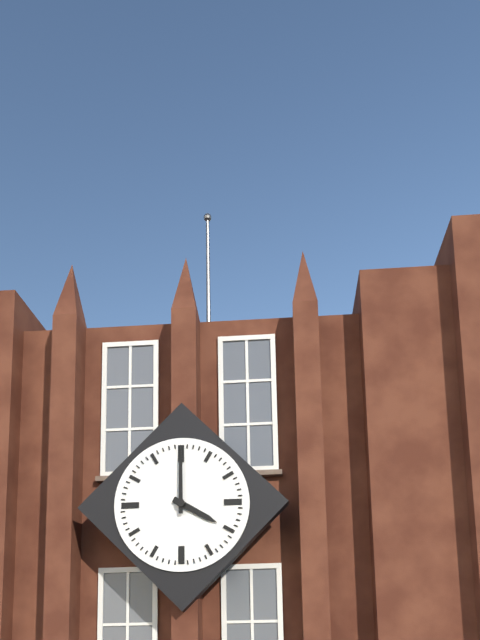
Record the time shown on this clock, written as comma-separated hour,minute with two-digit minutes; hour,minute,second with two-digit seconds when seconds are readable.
4,00
